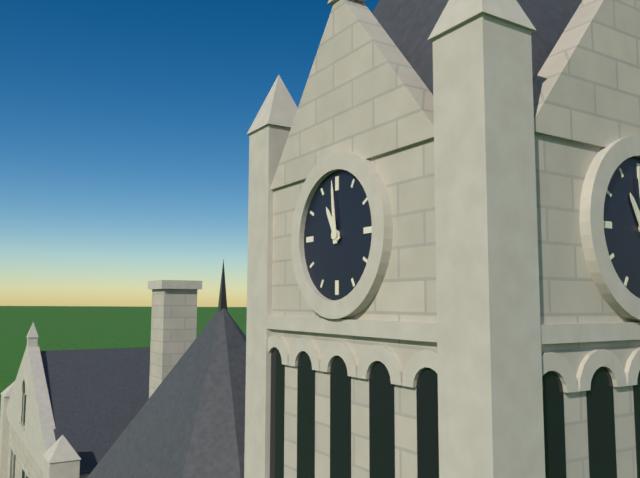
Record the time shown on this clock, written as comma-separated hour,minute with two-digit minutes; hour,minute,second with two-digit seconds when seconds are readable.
10,59
